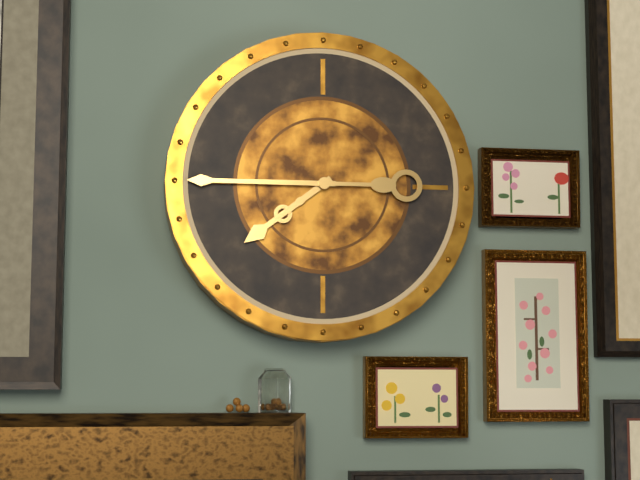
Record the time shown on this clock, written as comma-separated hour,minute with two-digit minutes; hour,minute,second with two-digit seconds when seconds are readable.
7,45
